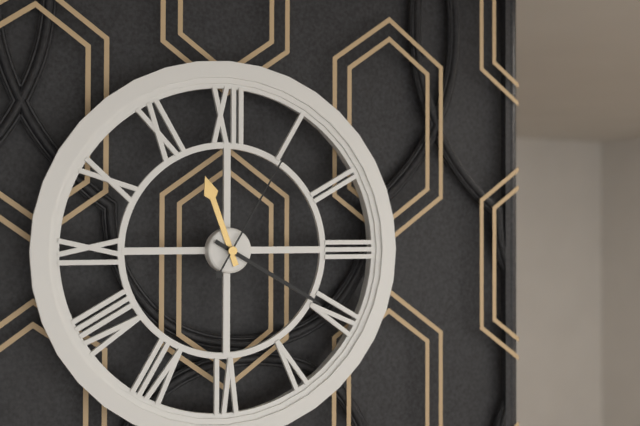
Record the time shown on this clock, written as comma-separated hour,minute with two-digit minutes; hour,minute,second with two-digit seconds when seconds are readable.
11,20,05
